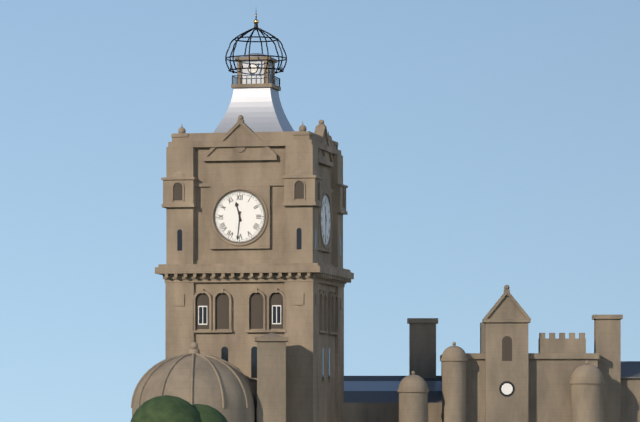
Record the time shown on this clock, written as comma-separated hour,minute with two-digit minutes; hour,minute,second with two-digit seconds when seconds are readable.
11,31
